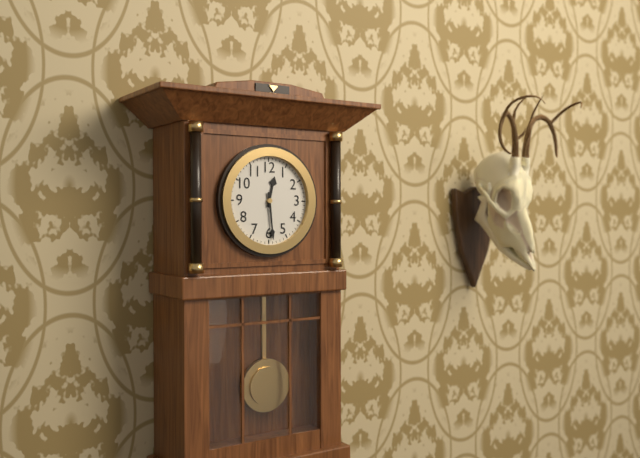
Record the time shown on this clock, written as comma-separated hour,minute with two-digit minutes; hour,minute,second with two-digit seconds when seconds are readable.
12,29
